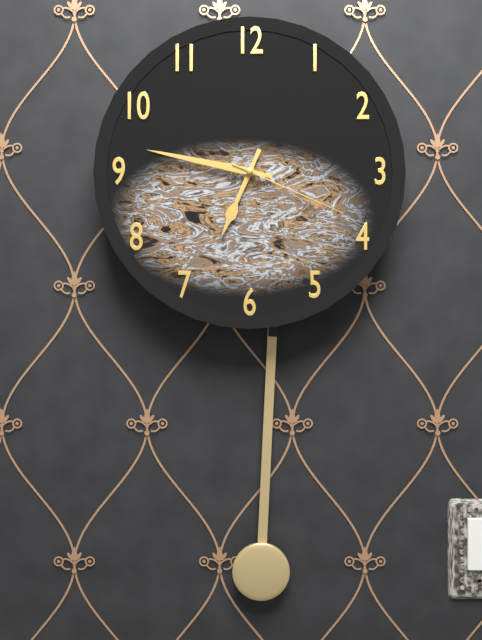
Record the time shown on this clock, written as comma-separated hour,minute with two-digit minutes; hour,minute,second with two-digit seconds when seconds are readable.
6,47,19
